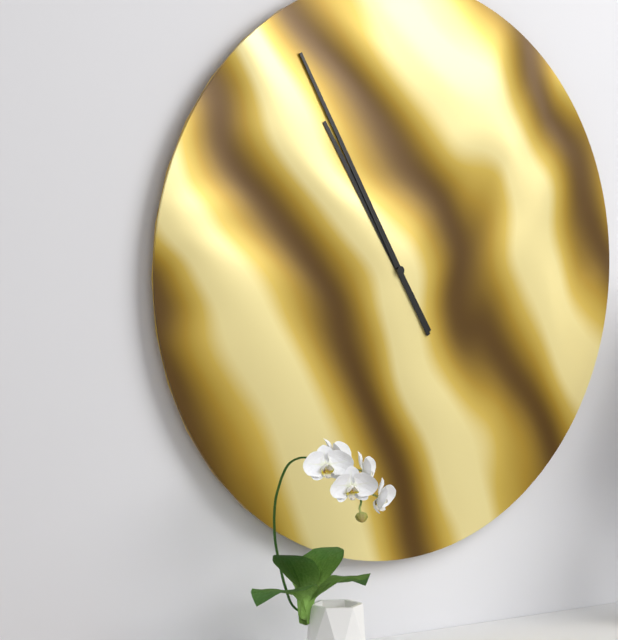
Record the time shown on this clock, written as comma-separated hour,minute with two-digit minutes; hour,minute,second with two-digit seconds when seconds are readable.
10,55
